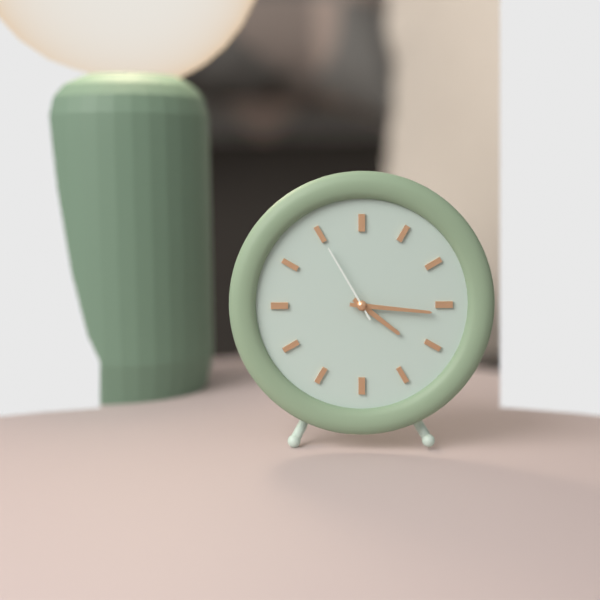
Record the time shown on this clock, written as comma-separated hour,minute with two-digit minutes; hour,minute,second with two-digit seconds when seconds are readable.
4,16,55
